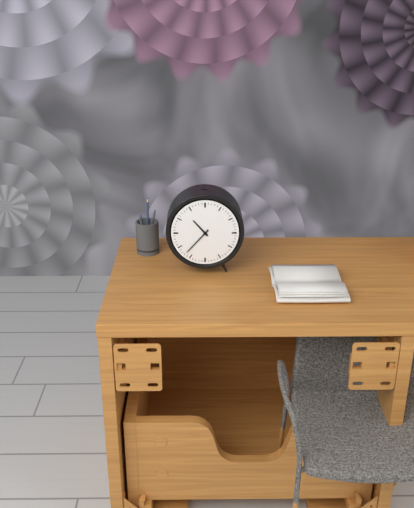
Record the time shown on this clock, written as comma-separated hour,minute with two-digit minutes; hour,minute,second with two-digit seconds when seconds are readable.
10,37
